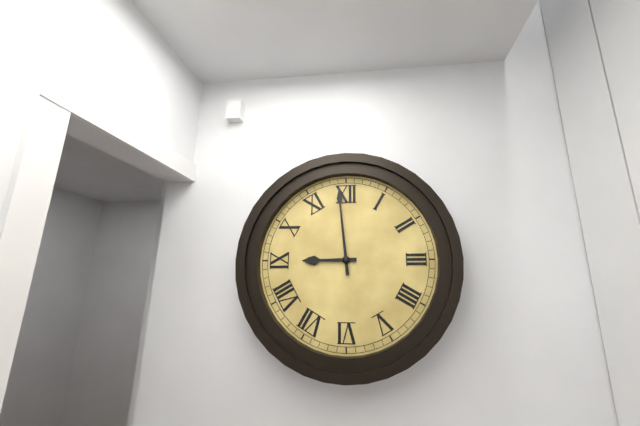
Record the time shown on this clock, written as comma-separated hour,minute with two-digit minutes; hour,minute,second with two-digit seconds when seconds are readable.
8,59
